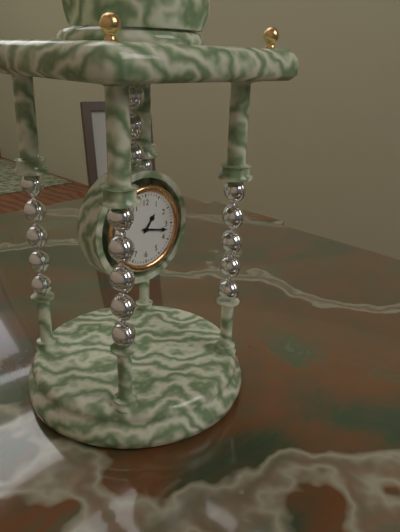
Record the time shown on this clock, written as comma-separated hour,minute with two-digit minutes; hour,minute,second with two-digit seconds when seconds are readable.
1,17
